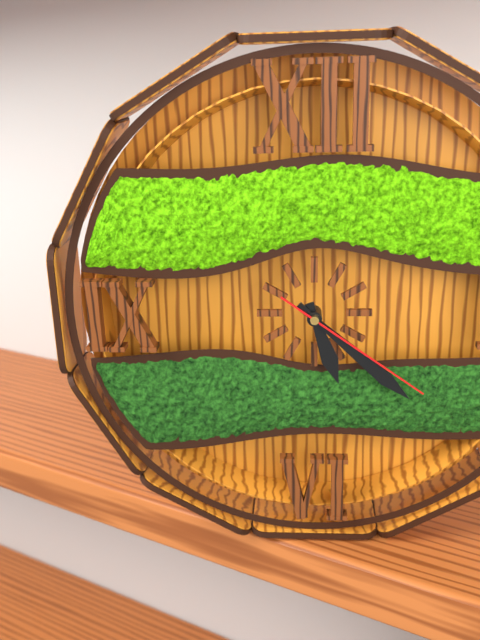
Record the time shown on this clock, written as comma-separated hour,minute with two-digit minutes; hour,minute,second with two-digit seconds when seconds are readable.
5,22,21
